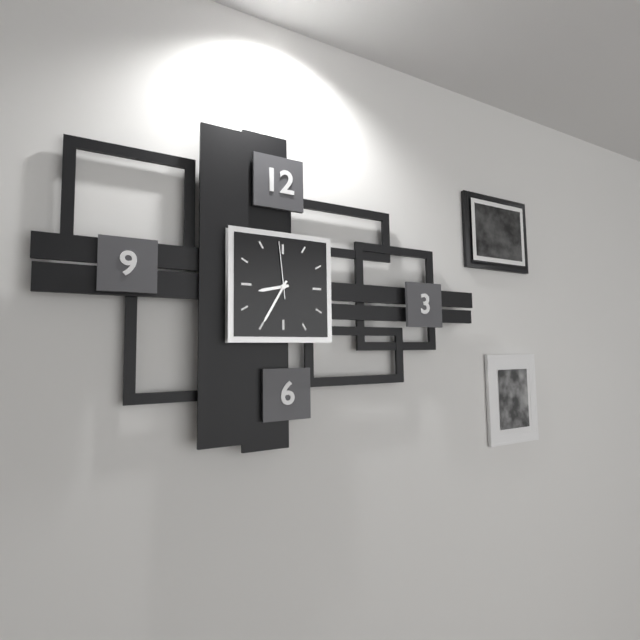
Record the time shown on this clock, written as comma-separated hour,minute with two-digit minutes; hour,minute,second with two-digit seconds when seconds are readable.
8,35,59
